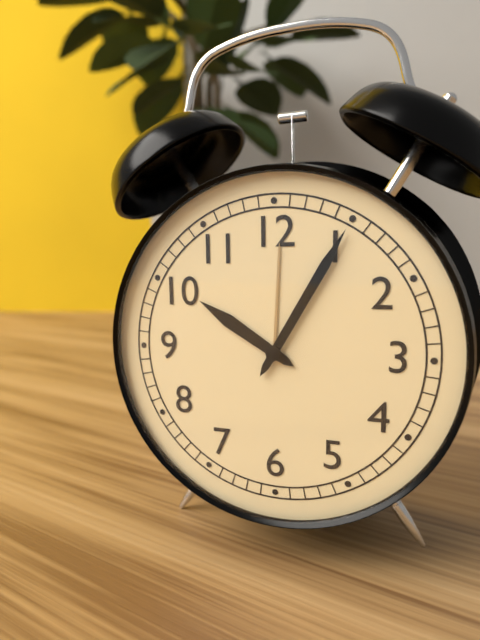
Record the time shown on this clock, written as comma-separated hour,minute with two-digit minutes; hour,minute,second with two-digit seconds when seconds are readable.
10,05
